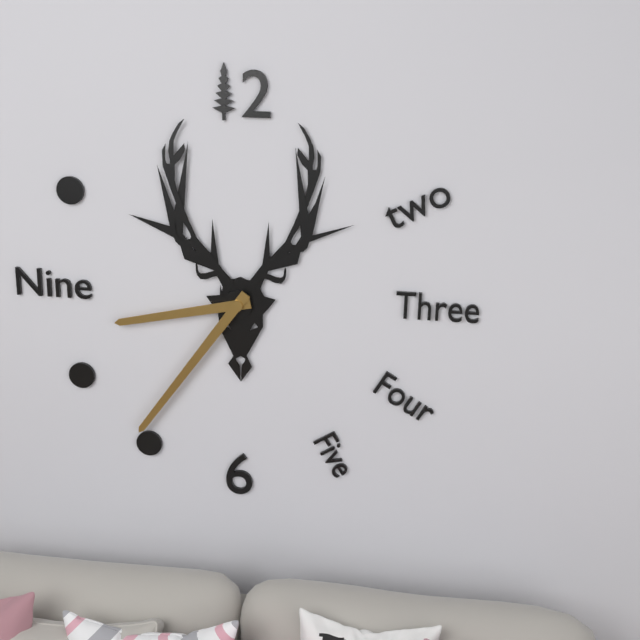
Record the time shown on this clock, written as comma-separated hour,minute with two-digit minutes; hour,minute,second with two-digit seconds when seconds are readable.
8,36
